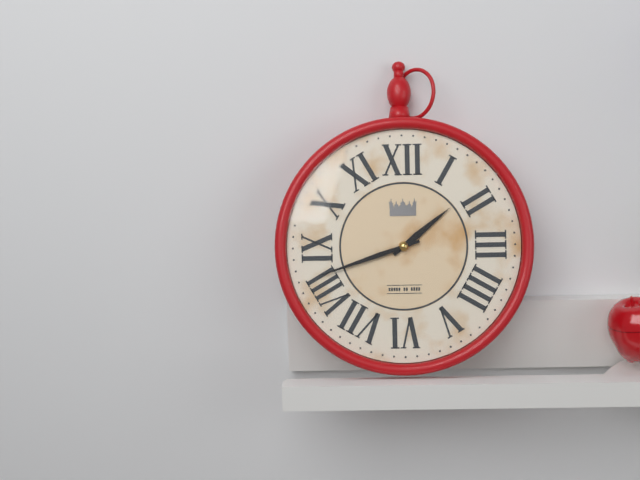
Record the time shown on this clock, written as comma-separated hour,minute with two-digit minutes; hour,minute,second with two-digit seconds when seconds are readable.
1,42
